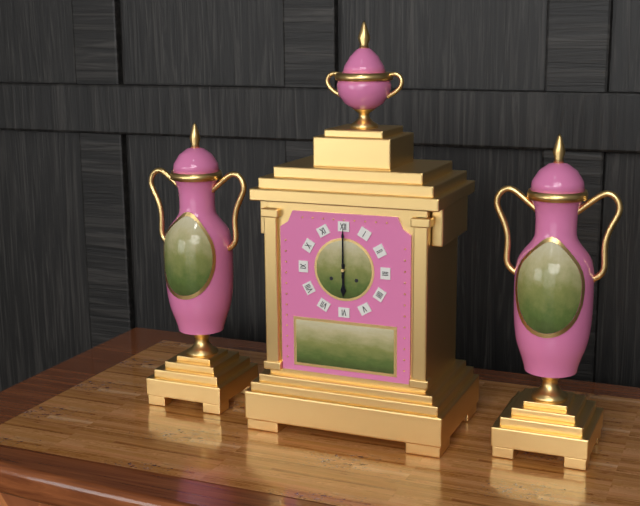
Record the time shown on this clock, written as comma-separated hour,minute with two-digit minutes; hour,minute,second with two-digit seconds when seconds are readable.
6,00
